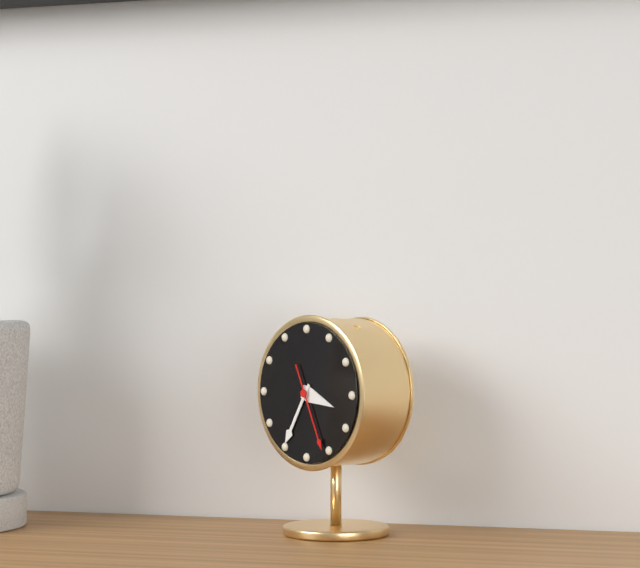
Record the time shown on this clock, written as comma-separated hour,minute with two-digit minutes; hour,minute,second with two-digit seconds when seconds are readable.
3,35,26
